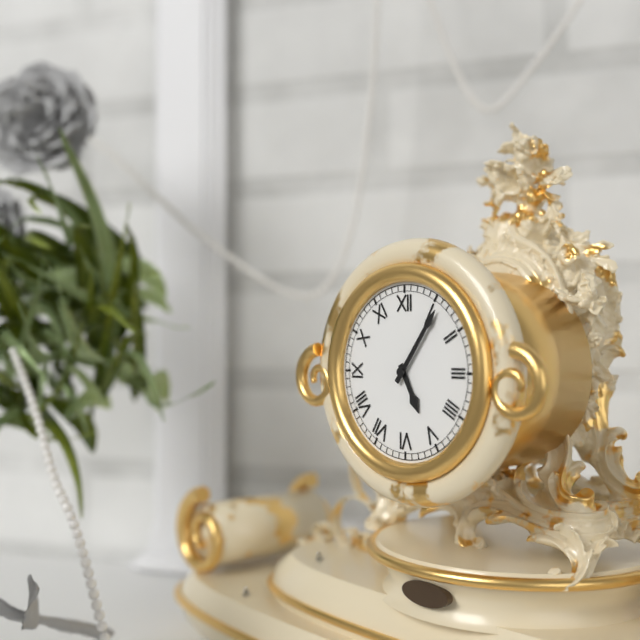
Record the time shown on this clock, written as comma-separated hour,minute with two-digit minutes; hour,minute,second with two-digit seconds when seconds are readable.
5,06
